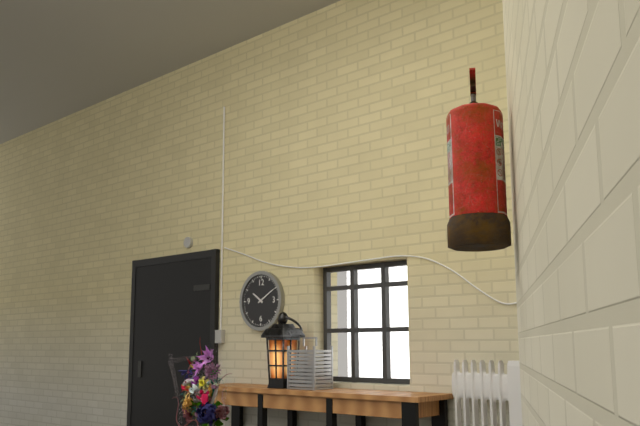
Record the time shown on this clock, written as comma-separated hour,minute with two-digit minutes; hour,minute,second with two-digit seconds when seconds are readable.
10,10
